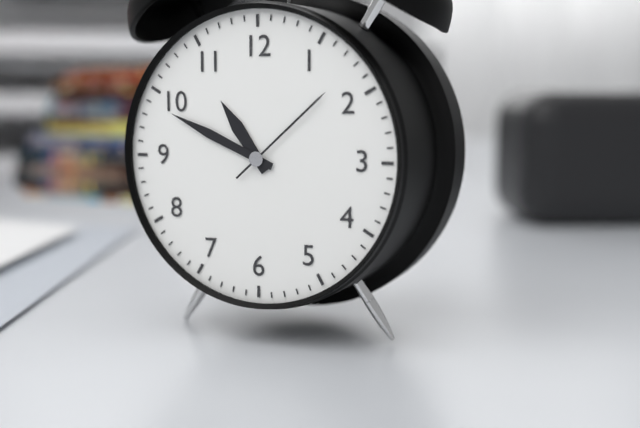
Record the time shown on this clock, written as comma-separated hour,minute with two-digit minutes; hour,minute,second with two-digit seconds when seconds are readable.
10,49,08
